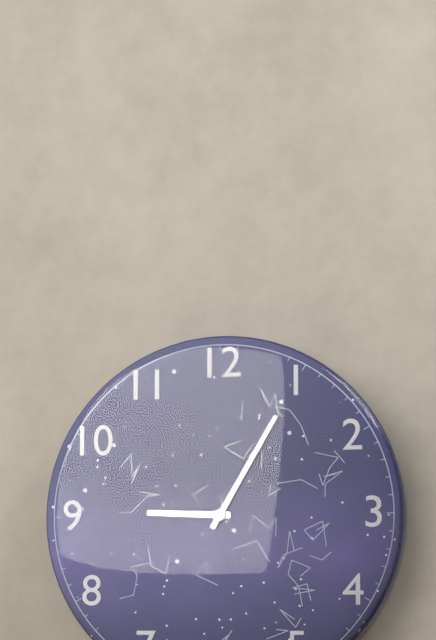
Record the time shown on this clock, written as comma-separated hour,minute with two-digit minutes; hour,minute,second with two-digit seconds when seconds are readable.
9,05
